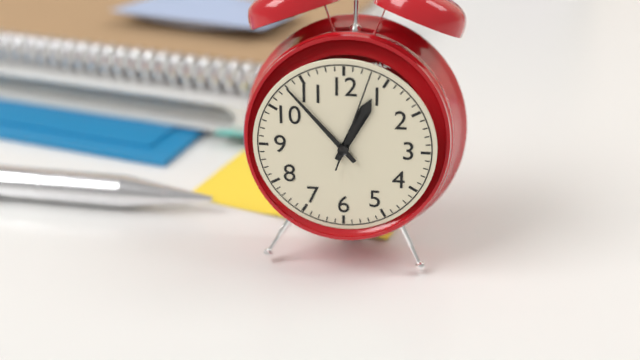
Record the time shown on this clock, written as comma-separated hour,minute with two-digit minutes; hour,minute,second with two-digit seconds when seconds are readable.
12,53,03
